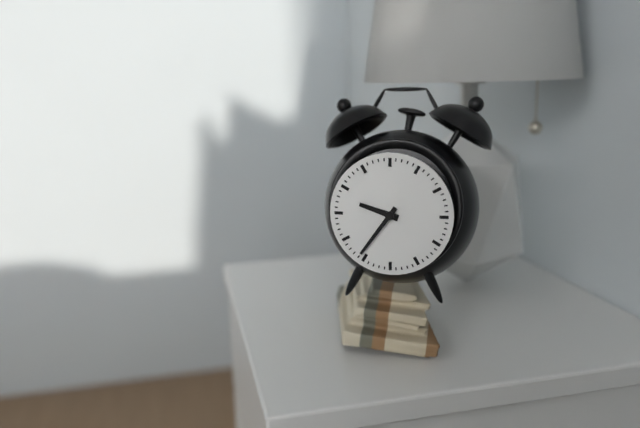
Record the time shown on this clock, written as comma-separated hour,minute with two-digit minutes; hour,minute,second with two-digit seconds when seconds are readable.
9,36
